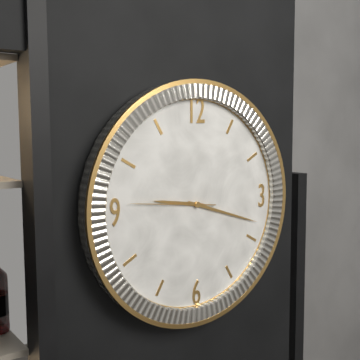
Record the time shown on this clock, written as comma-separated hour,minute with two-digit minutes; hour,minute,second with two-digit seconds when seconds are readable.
9,18,46
